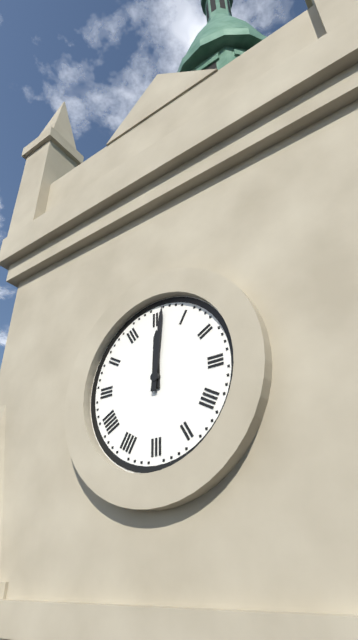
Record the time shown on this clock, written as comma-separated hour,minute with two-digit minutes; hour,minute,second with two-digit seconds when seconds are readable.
12,01
